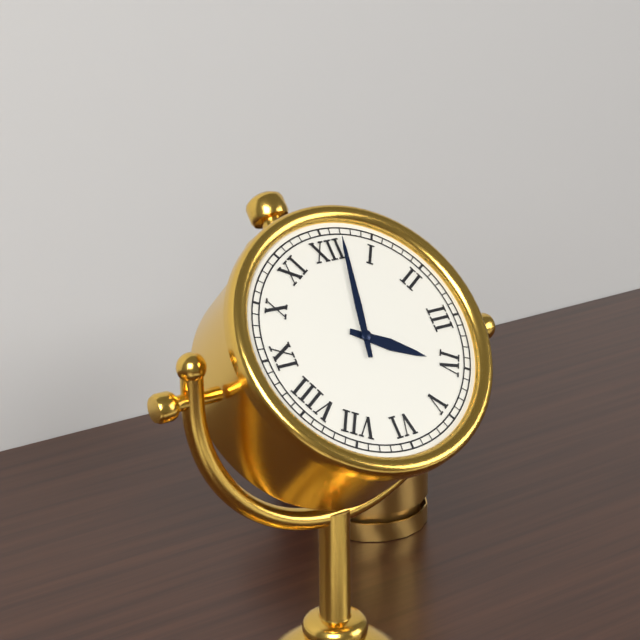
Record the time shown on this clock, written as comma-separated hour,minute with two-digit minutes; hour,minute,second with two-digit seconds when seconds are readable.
4,02
